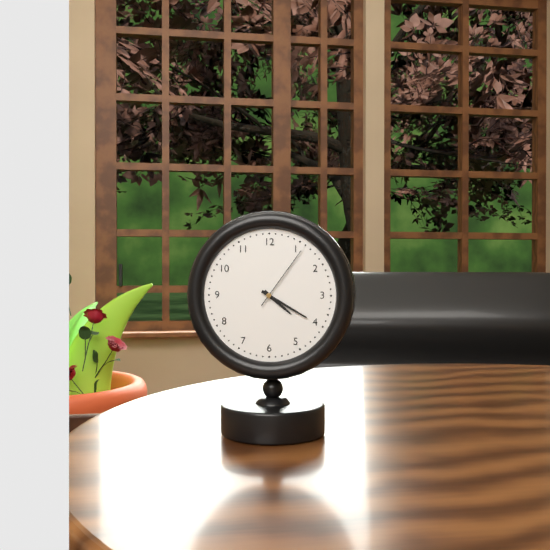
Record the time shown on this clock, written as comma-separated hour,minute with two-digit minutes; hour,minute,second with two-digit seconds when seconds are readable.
4,20,06
